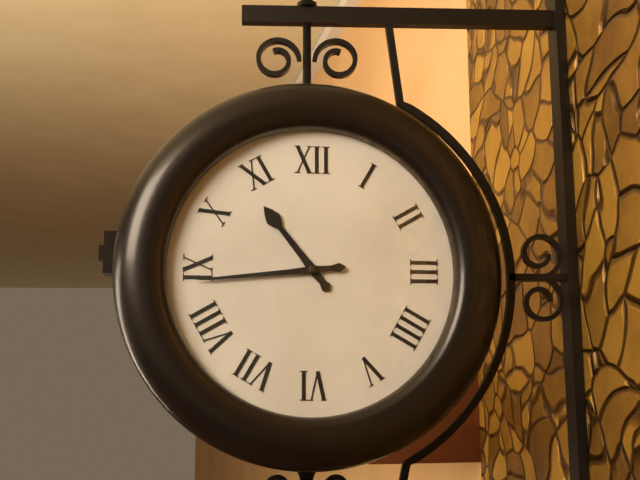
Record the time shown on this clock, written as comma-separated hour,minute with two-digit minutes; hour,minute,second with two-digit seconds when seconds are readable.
10,44
